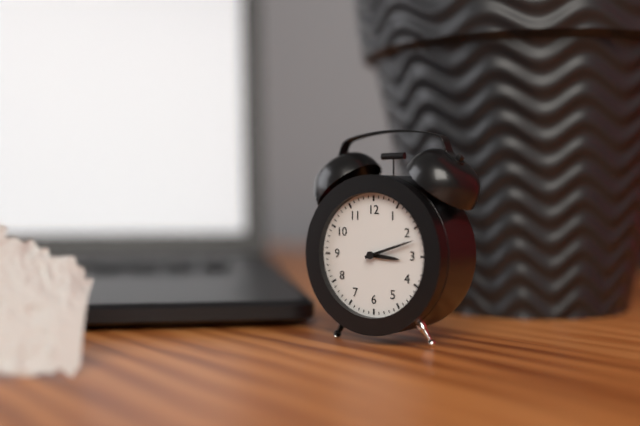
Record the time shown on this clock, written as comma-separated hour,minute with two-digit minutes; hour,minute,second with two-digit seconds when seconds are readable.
3,12
